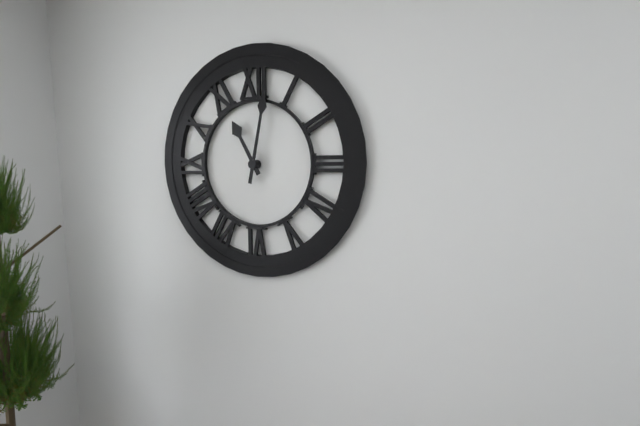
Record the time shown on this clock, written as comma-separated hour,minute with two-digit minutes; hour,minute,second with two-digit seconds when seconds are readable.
11,02
